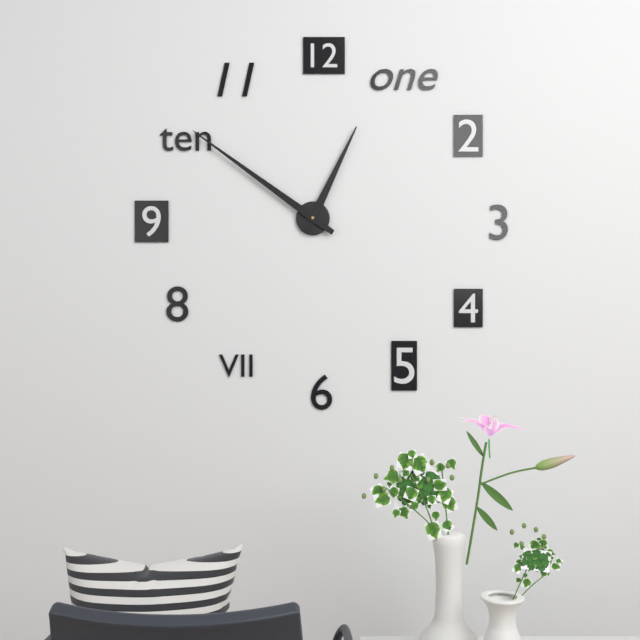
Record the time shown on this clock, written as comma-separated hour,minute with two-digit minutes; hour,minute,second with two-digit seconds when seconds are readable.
12,51
